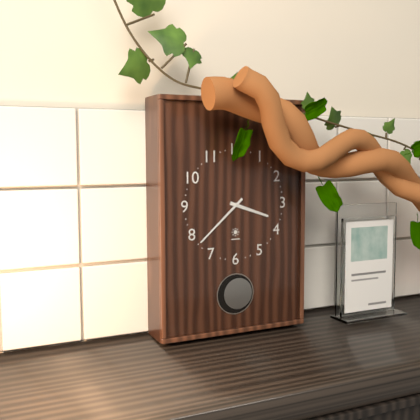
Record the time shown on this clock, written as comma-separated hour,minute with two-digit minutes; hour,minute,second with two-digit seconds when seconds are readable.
3,38
